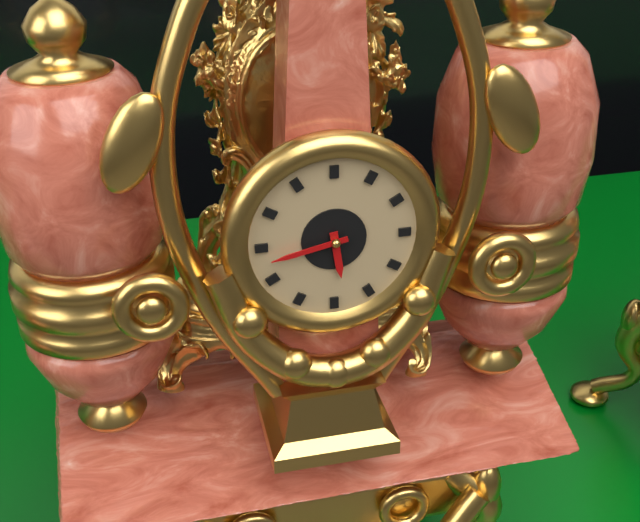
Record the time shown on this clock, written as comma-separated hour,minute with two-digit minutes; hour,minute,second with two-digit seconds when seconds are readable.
5,43
